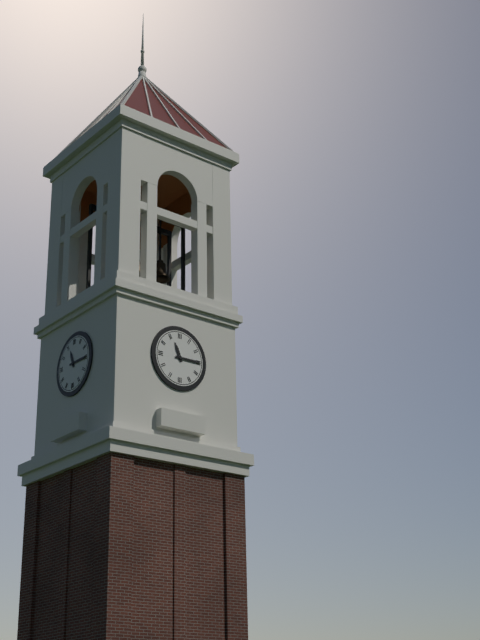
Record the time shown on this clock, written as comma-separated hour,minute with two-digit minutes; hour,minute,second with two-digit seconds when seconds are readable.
11,15
